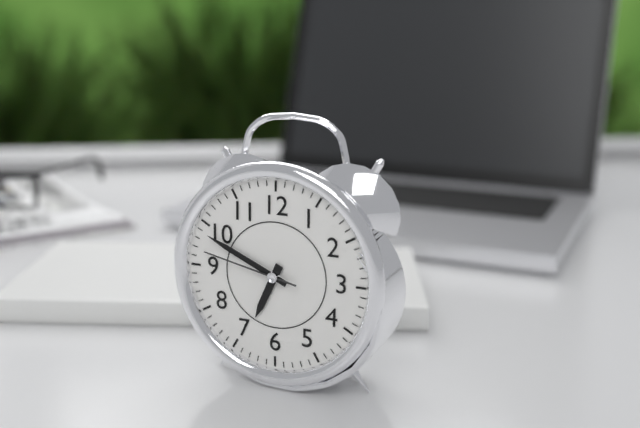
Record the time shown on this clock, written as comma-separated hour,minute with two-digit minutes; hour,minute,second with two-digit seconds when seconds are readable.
6,49,47
